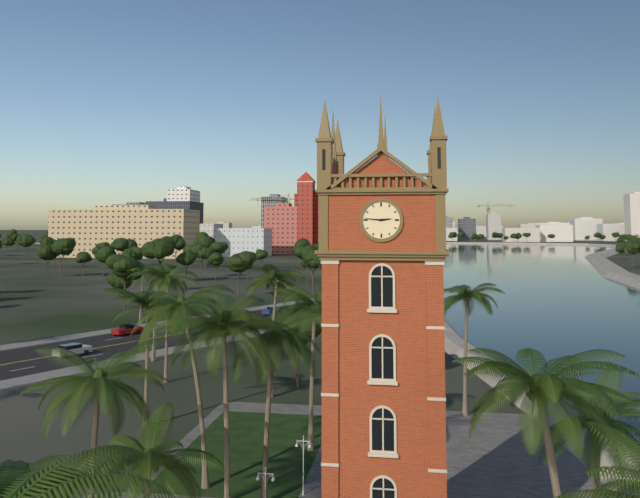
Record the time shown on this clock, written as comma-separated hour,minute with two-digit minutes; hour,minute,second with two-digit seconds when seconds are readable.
2,46
